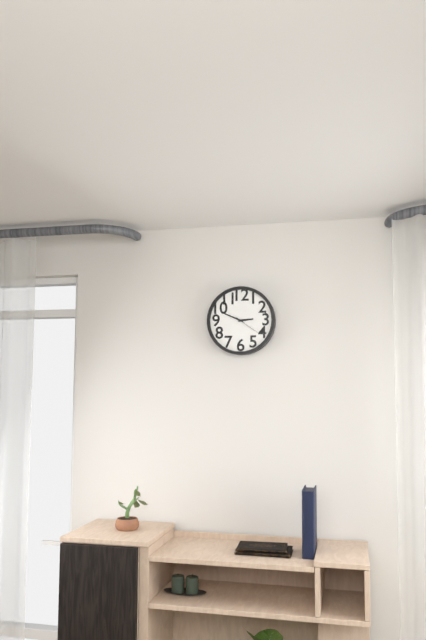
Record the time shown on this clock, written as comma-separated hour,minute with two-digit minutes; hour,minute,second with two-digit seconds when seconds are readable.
2,49
